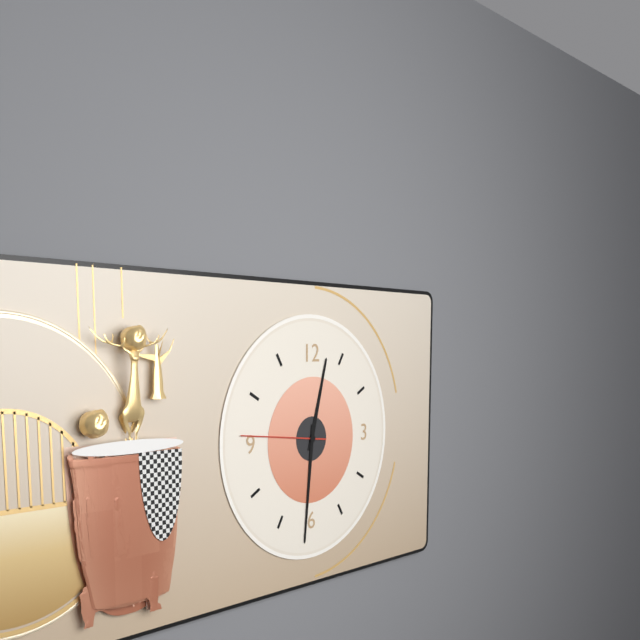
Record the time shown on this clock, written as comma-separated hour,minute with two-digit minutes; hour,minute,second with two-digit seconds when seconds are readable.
12,31,46
